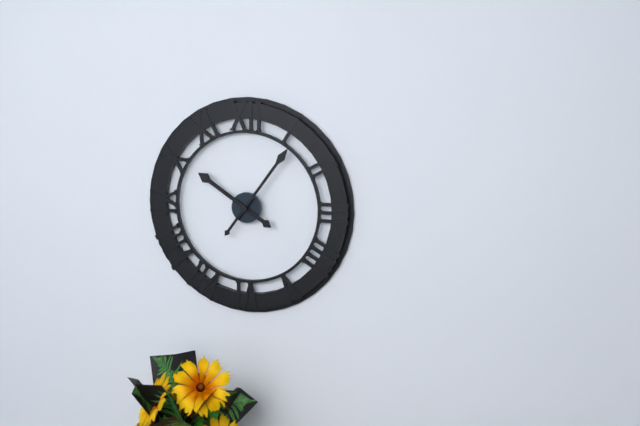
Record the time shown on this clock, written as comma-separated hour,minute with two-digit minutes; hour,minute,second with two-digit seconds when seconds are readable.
10,06
